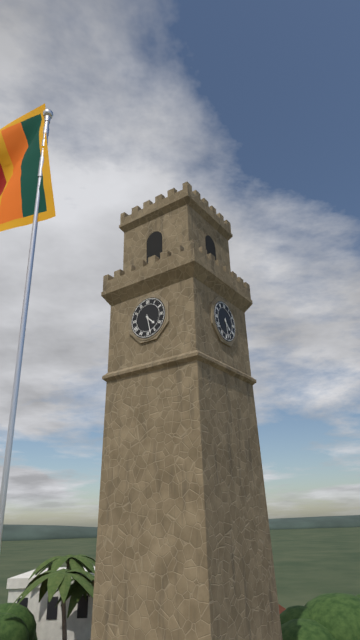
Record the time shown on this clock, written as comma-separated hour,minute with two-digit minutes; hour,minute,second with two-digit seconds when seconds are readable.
4,28
